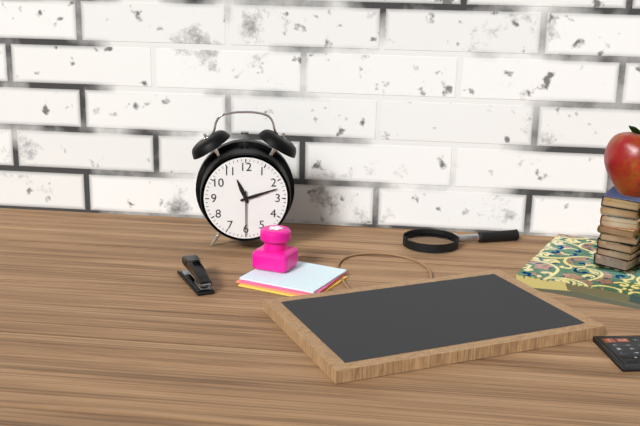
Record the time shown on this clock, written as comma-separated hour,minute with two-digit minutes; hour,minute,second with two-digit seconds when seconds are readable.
11,12
